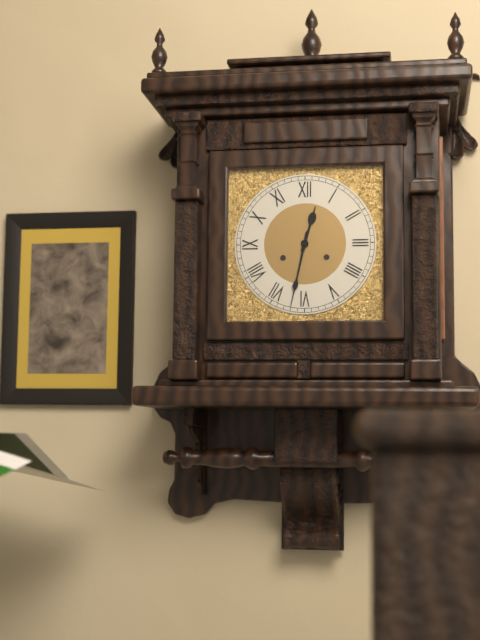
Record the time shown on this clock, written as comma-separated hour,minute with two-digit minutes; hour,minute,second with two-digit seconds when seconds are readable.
12,32
